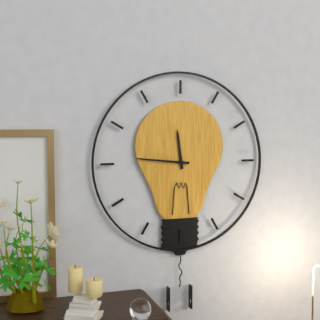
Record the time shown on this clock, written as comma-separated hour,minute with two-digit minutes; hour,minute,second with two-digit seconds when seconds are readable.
11,46
